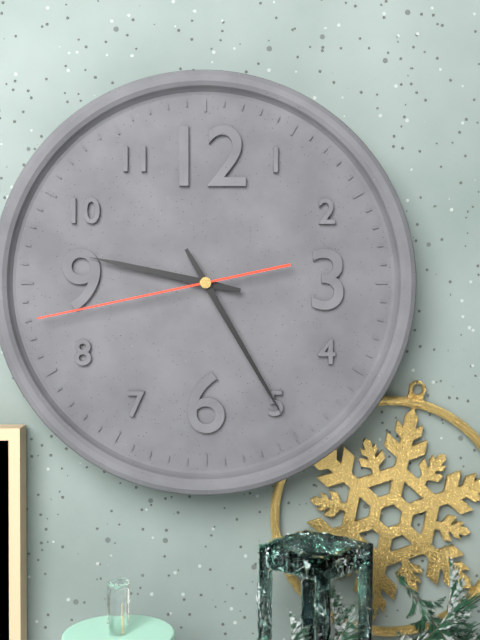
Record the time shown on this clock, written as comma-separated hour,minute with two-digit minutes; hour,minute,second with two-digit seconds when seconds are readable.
9,25,43
